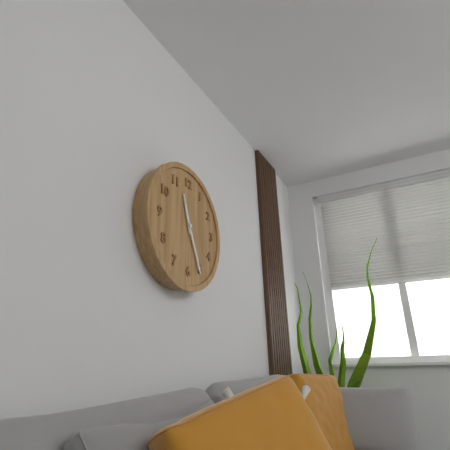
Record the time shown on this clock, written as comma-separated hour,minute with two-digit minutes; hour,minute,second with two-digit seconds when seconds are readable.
11,26
